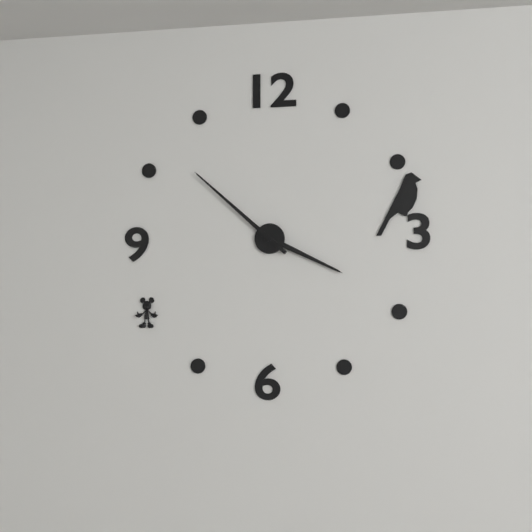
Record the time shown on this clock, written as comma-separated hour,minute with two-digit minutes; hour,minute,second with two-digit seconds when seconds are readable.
3,52
